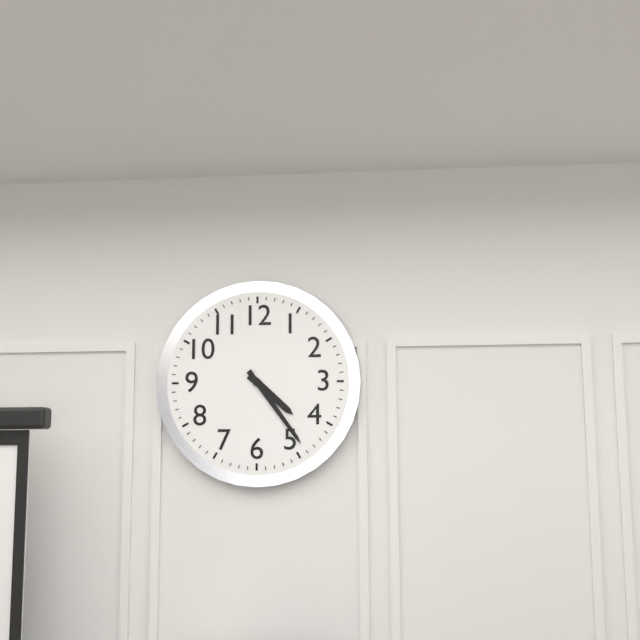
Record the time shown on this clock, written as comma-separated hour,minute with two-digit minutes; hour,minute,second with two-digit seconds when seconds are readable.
4,24
